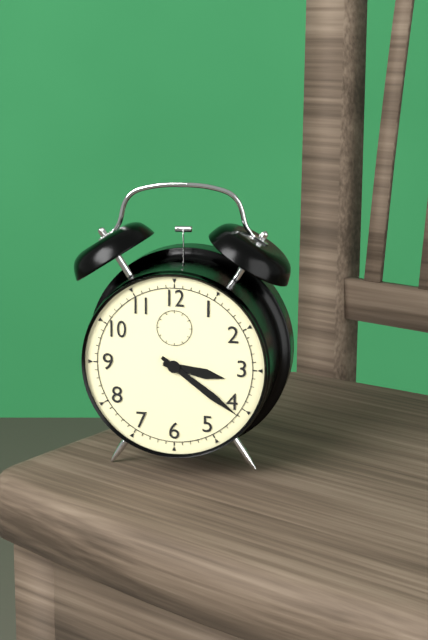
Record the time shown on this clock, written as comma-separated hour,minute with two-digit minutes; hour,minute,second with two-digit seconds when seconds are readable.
3,21
